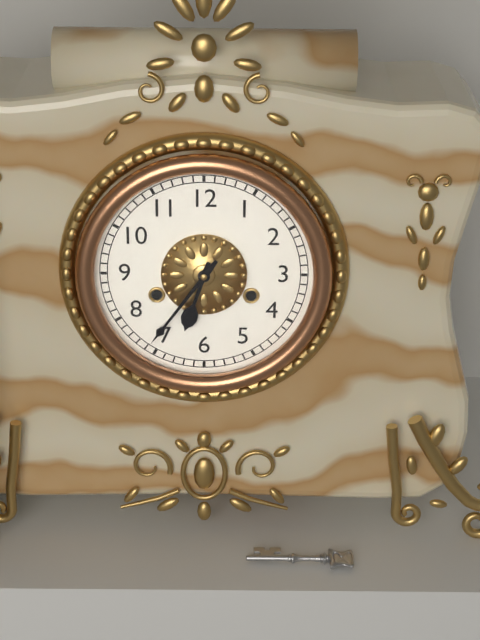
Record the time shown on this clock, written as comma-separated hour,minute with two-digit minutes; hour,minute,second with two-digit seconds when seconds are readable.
6,36
